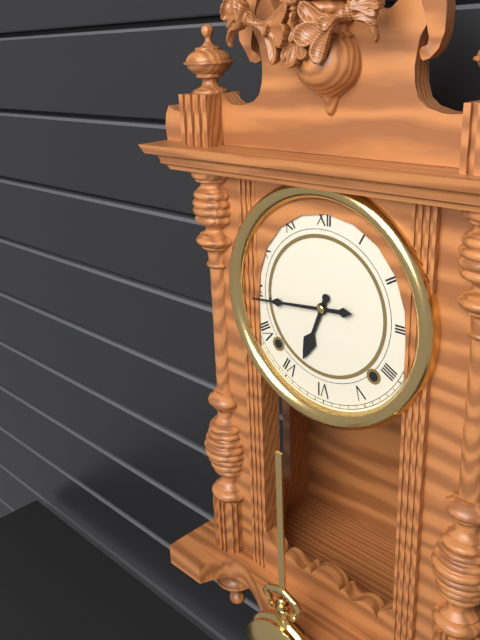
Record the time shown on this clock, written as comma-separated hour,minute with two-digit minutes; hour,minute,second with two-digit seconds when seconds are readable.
6,44
